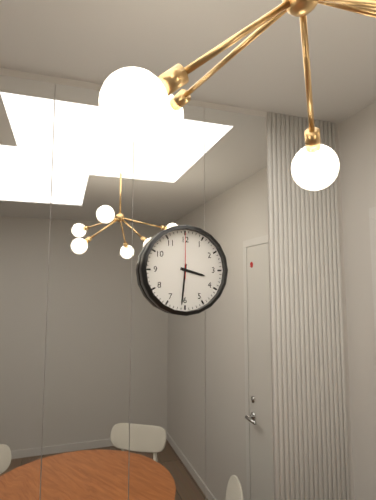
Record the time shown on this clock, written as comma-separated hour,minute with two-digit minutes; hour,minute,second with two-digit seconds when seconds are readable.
3,31
